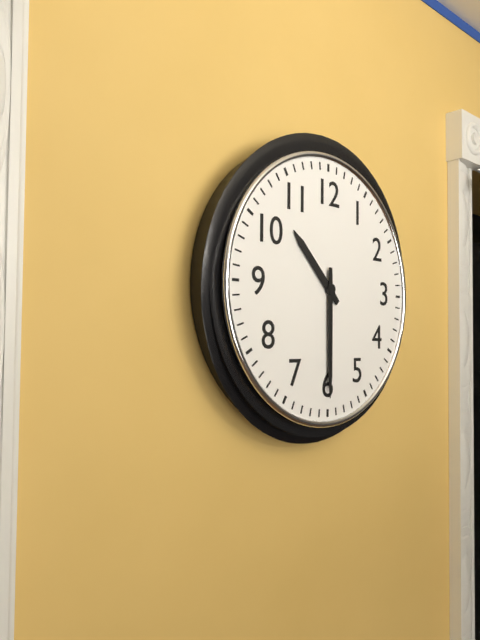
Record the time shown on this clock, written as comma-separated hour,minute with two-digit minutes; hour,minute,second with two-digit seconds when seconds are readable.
10,30
